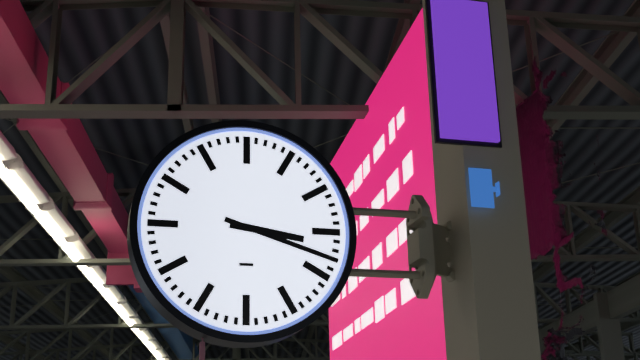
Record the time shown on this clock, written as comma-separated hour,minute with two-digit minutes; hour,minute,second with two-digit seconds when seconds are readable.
3,18
